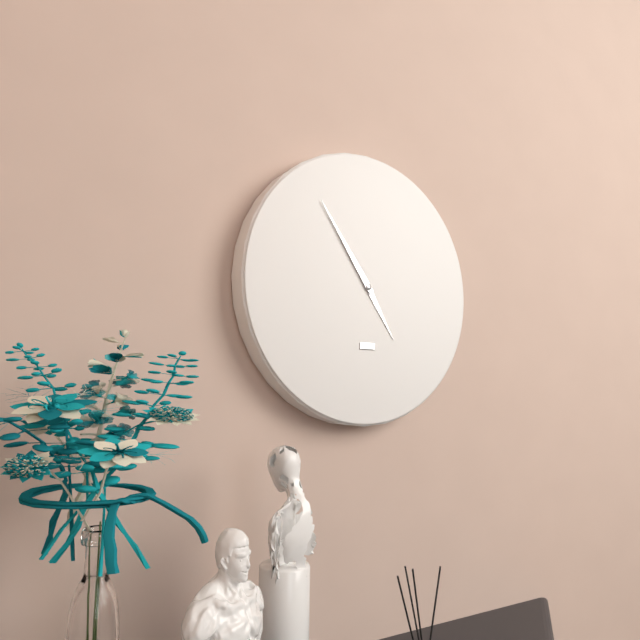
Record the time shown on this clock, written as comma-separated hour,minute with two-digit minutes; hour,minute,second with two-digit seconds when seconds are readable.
4,54
